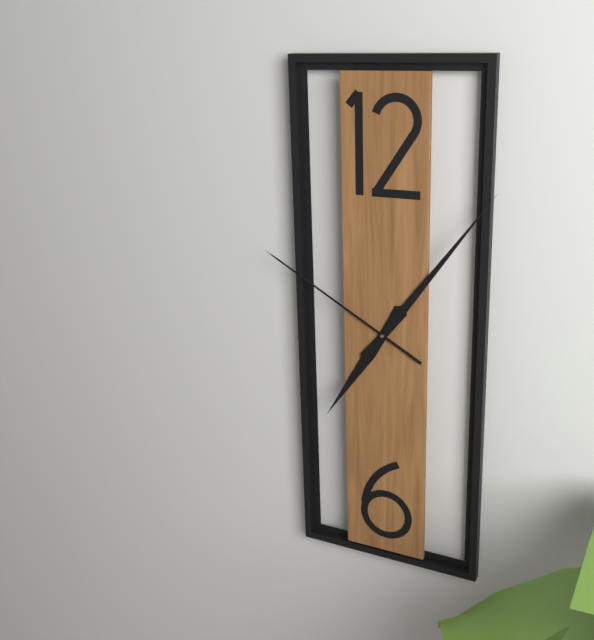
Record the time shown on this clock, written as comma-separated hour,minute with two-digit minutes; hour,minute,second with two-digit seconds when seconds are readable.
7,06,50
